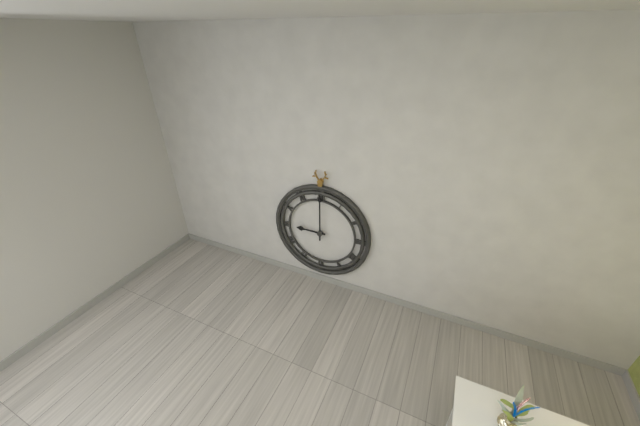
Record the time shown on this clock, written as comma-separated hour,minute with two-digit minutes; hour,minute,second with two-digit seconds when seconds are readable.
9,00
